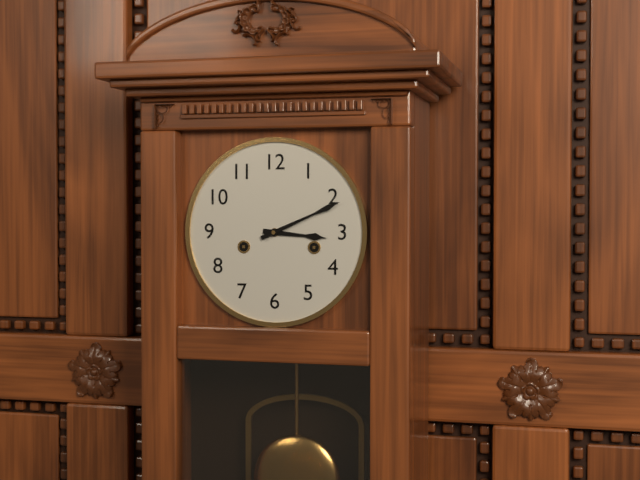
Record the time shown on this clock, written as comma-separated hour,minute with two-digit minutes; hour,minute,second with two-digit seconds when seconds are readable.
3,11
